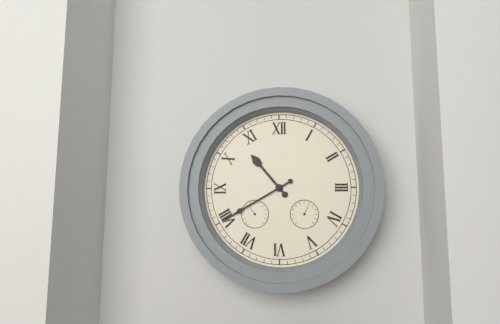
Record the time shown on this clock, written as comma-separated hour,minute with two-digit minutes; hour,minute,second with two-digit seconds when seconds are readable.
10,40
